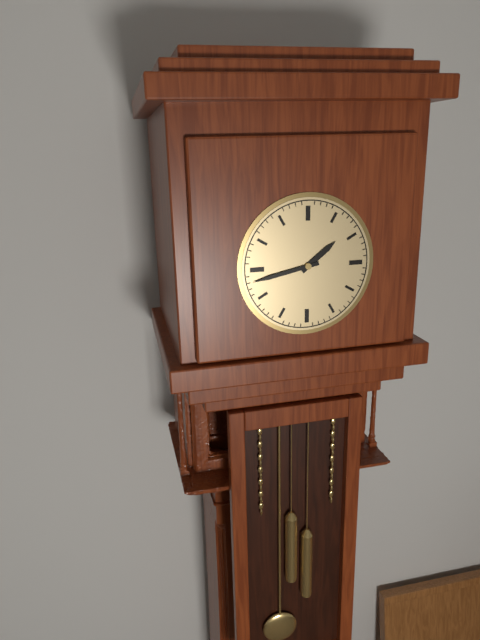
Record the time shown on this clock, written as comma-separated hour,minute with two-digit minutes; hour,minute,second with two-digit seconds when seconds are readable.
1,43
